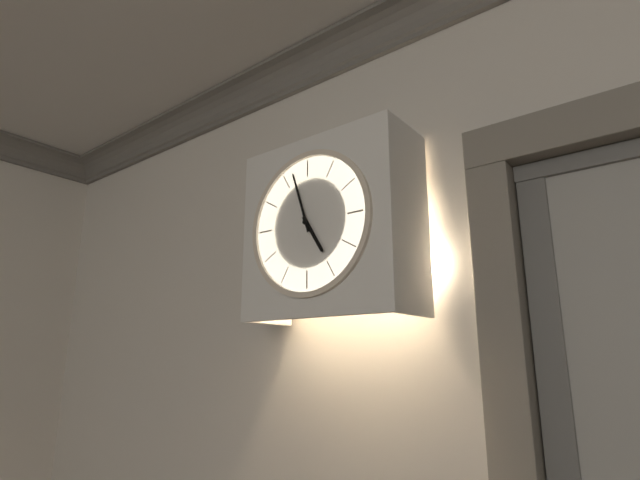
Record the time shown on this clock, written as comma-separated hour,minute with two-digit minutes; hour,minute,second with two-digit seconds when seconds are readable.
4,57
